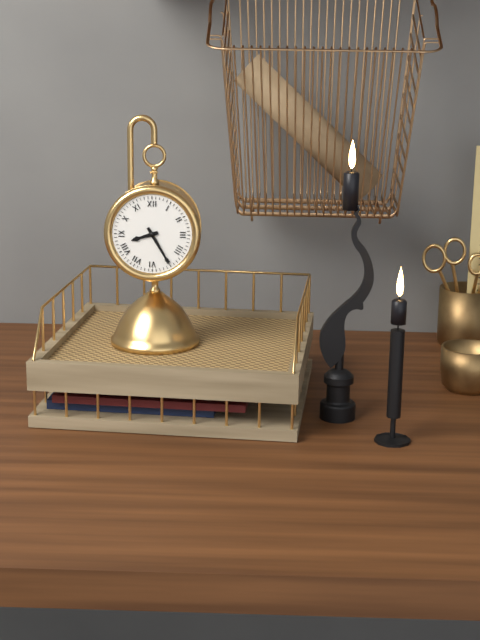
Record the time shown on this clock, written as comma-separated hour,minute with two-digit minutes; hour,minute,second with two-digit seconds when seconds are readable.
8,25
